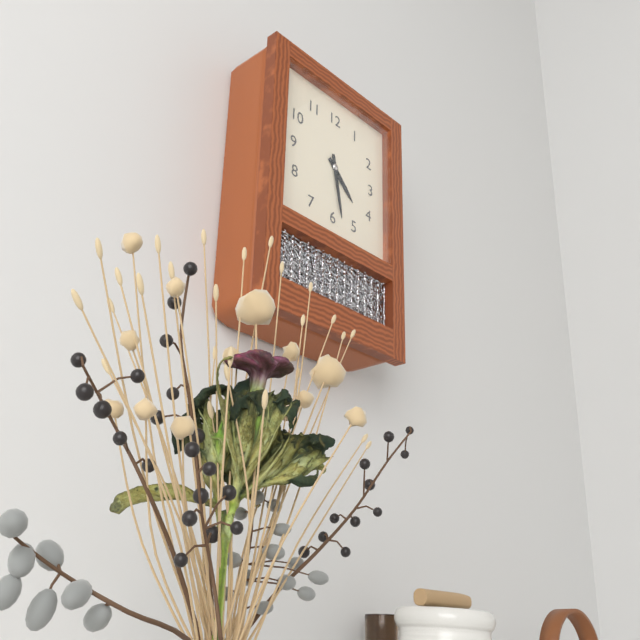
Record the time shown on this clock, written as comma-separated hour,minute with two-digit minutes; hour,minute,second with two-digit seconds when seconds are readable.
4,28
